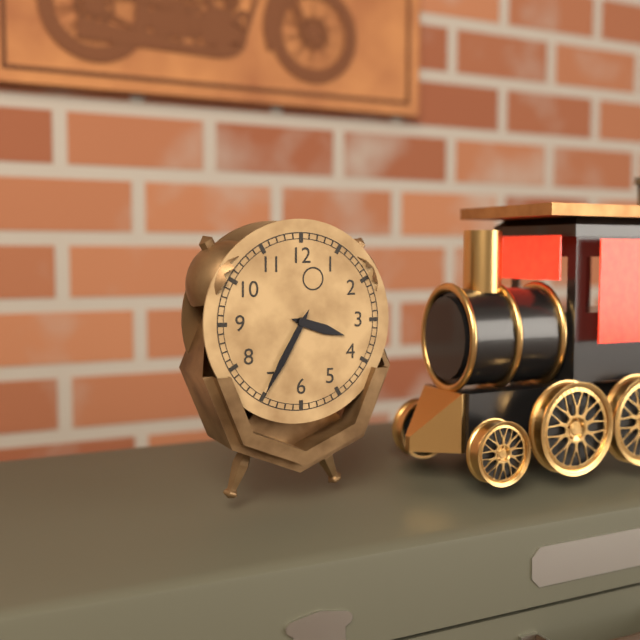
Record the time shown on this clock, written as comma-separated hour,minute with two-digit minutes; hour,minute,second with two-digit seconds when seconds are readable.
3,35
